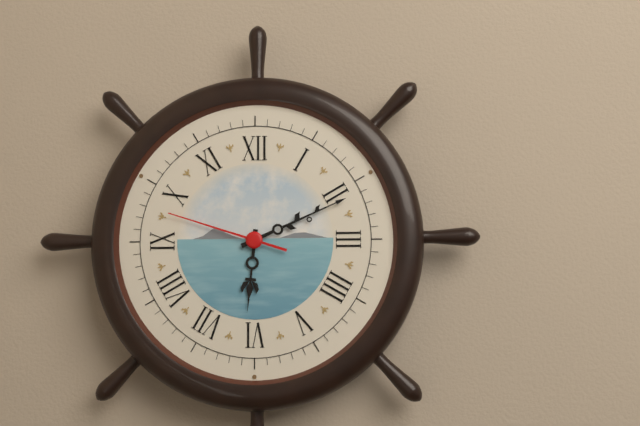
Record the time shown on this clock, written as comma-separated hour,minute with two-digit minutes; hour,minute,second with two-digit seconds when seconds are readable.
6,11,48
